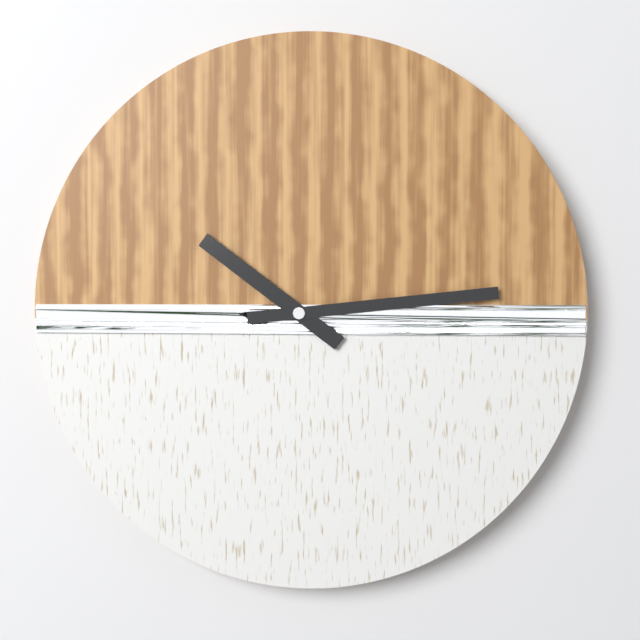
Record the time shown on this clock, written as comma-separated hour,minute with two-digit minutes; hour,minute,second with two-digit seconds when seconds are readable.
10,14
